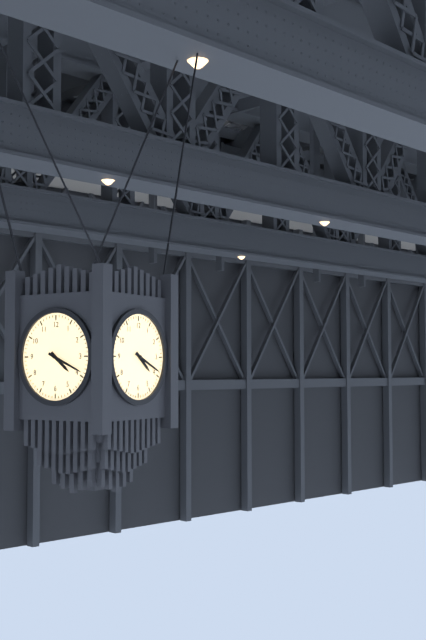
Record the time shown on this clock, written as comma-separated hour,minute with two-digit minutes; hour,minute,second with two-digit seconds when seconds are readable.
4,19
